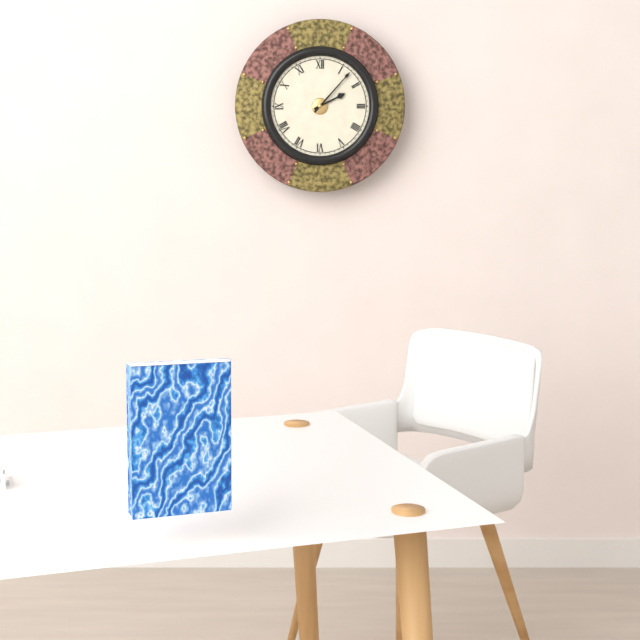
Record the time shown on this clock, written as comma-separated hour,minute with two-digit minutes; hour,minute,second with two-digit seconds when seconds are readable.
2,07
